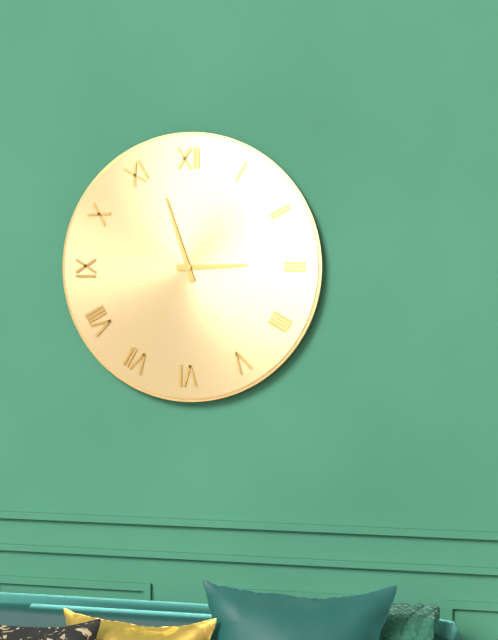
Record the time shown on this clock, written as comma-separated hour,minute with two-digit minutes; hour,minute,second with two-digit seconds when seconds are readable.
2,57
